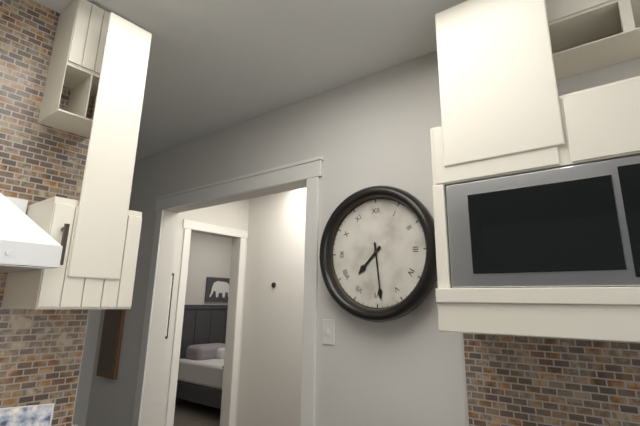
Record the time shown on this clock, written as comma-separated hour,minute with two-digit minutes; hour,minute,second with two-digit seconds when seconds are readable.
7,29
